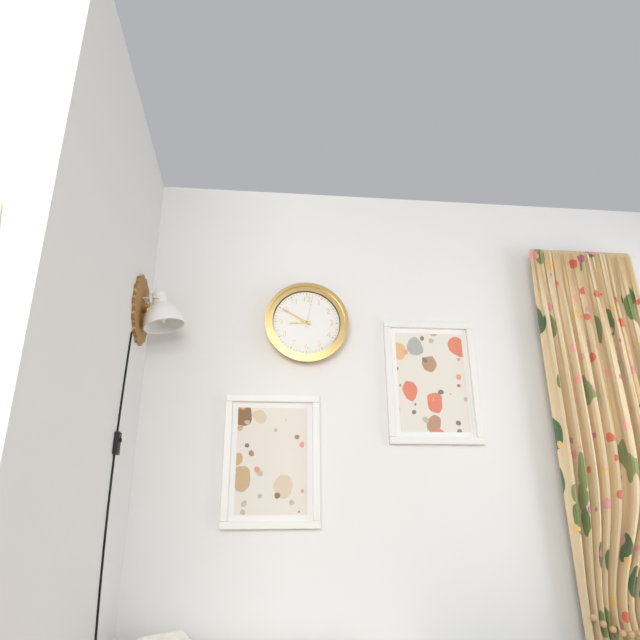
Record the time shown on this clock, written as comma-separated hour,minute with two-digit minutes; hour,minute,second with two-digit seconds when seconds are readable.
8,50
